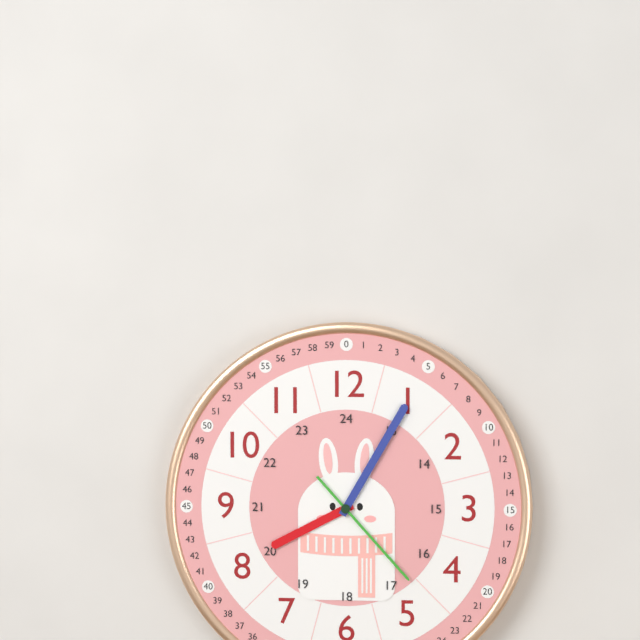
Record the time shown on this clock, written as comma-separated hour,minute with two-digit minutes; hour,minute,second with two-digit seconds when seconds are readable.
8,05,23
